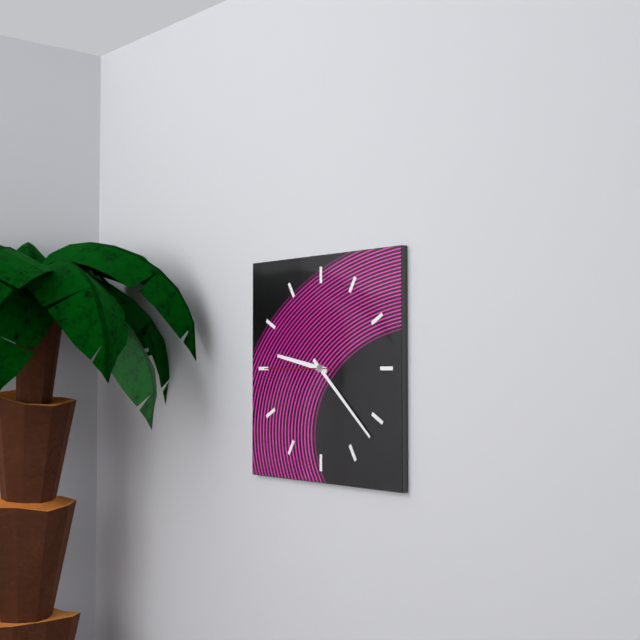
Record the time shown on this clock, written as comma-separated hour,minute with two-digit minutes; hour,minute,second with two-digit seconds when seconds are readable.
9,22,45
